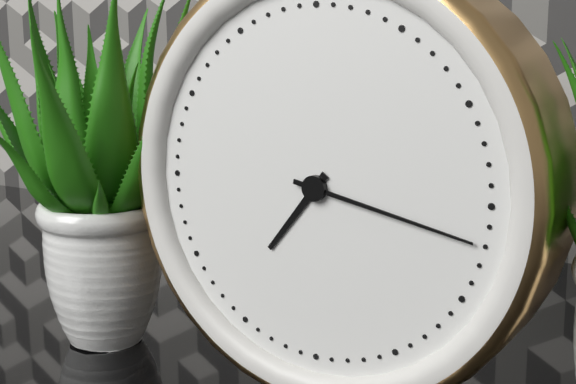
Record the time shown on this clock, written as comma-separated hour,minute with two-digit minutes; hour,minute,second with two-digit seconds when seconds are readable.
7,17
